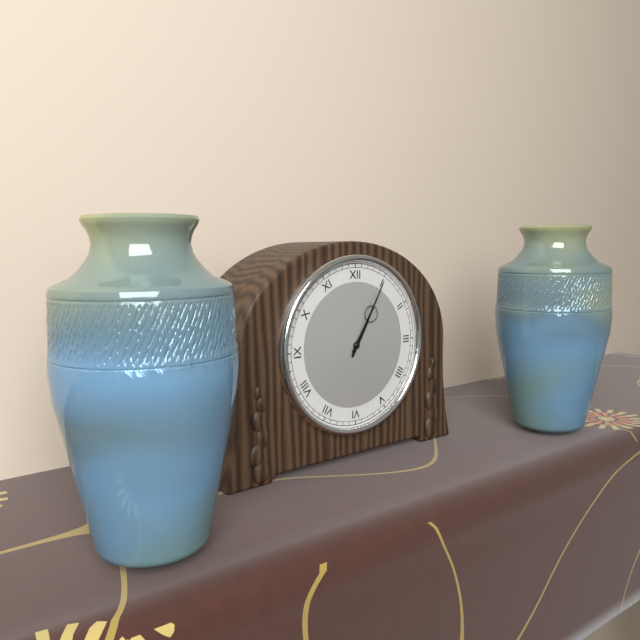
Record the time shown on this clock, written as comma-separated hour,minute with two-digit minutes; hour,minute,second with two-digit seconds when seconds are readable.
1,05
